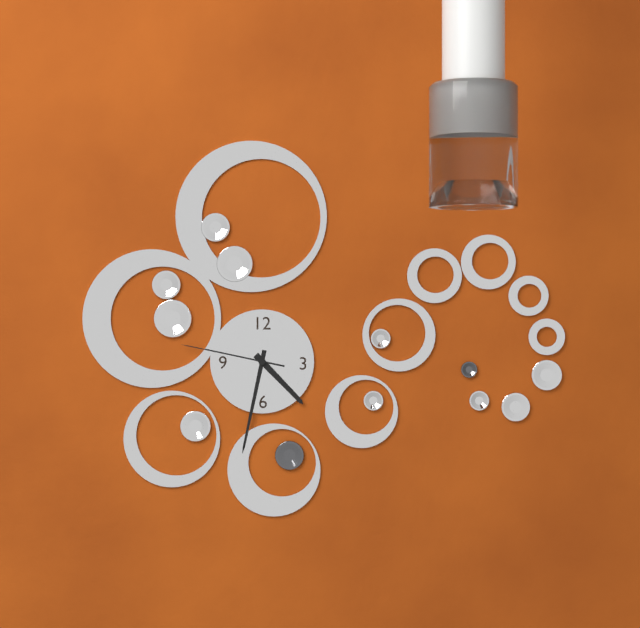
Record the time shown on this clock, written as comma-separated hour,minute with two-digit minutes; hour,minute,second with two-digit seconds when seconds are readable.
4,32,47
